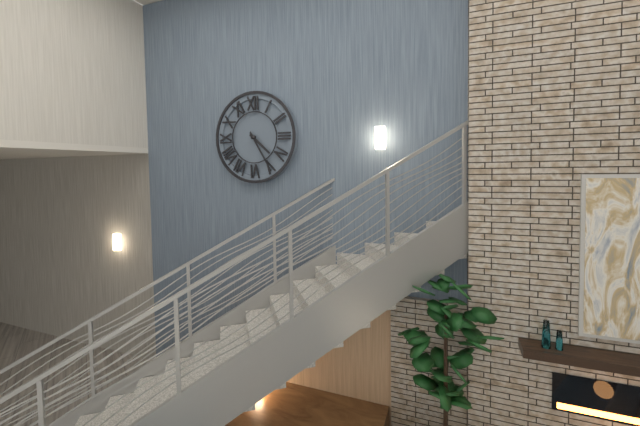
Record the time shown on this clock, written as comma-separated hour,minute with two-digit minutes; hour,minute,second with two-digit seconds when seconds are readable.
4,25
